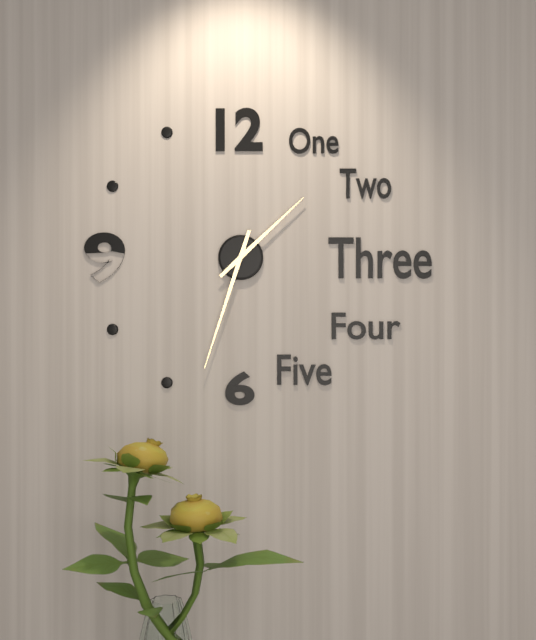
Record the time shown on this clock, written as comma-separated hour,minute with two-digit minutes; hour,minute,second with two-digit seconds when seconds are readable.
1,33
